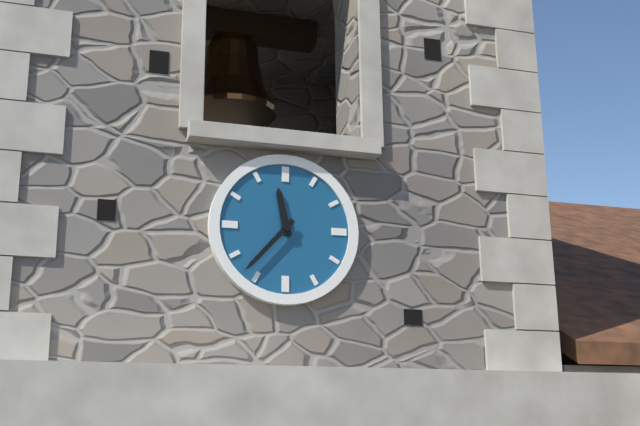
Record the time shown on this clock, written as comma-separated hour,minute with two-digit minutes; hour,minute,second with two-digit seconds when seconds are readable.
11,37
